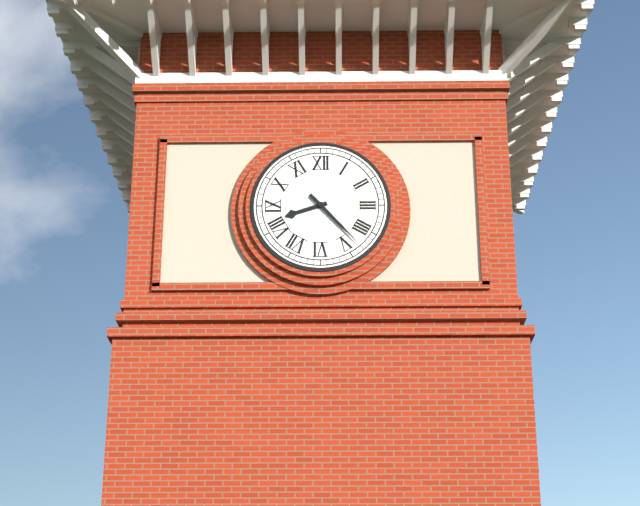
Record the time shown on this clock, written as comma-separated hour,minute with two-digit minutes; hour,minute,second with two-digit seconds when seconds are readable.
8,23
